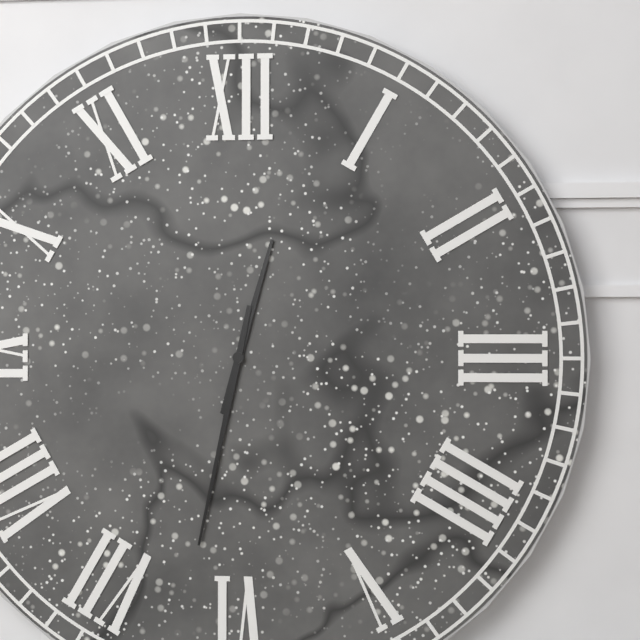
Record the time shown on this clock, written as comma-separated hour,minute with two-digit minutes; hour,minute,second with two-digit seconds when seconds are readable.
12,32
